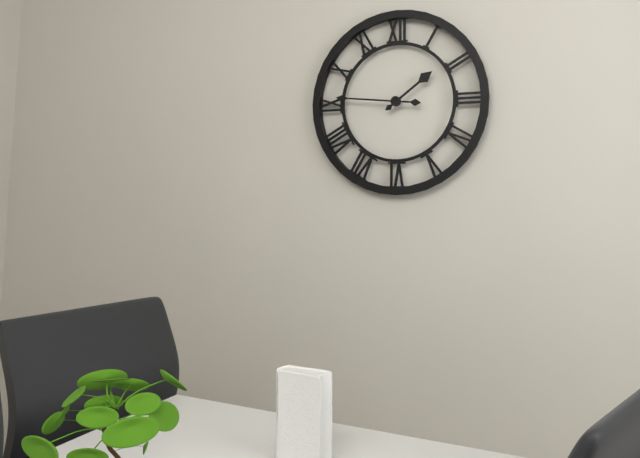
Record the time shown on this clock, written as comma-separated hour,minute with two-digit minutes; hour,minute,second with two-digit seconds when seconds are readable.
1,46
